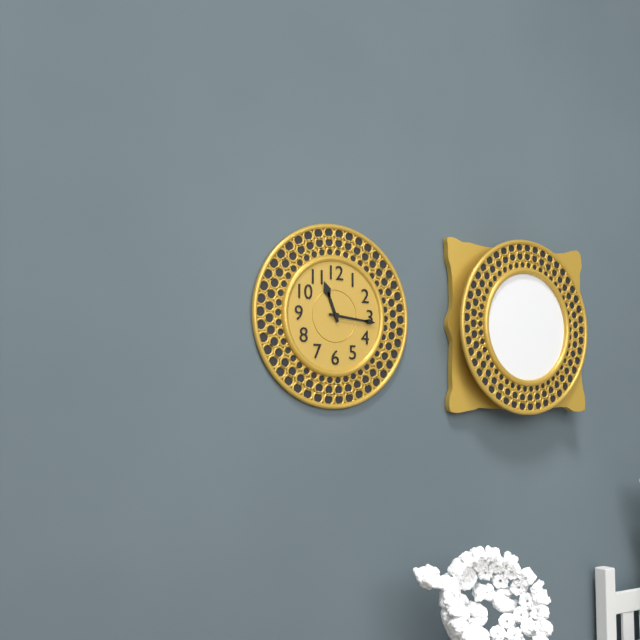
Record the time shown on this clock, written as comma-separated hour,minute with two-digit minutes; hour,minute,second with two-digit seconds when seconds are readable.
11,16
